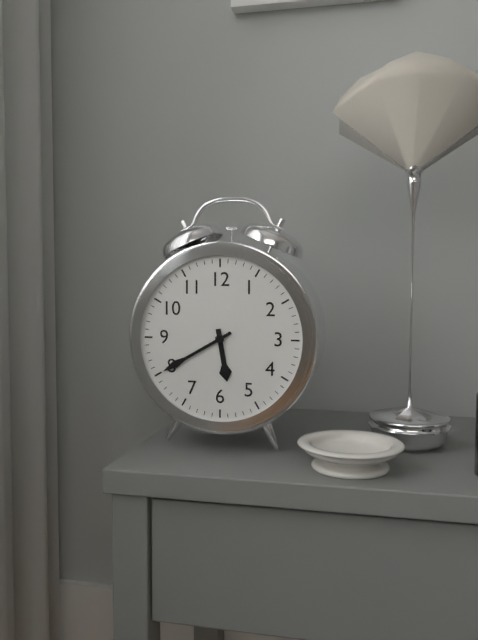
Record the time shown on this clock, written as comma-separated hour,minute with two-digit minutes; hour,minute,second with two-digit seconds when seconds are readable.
5,40
